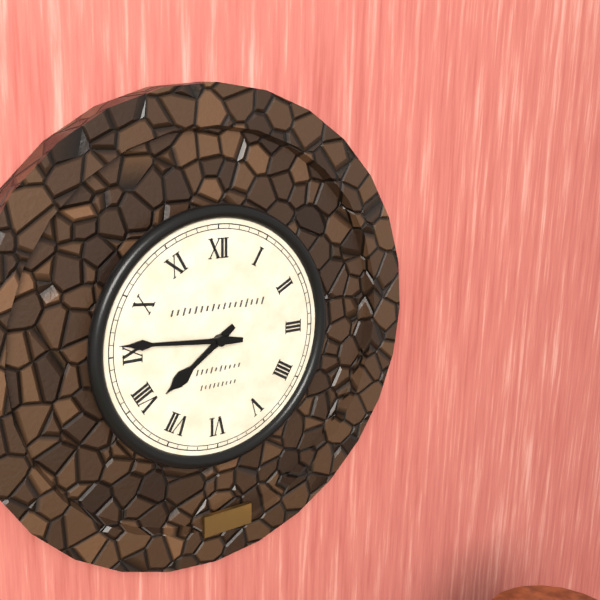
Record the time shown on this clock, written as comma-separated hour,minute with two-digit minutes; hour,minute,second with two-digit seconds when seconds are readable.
7,46
